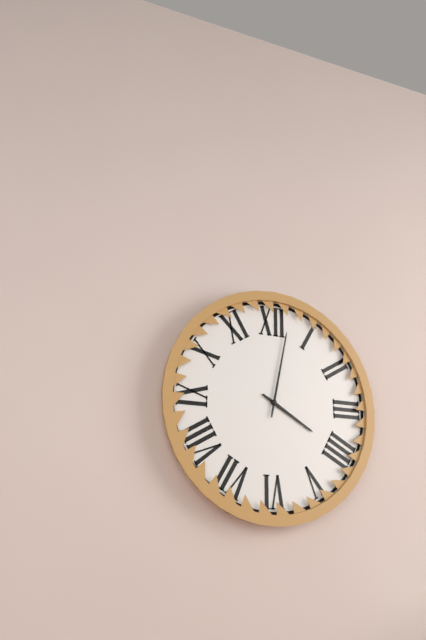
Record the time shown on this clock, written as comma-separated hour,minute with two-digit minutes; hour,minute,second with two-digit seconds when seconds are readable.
4,02
